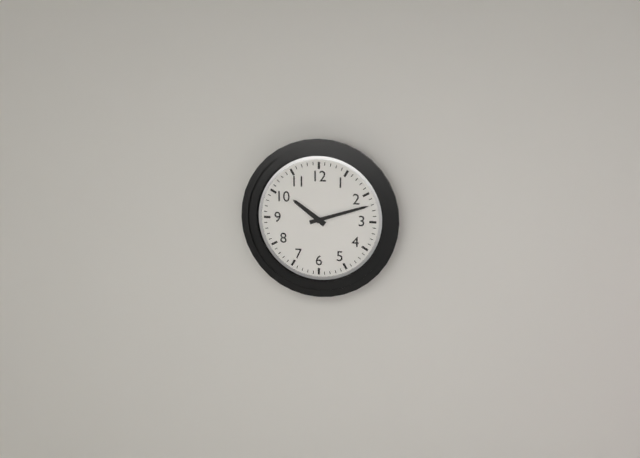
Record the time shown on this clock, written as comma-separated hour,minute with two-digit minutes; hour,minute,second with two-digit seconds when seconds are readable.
10,12
